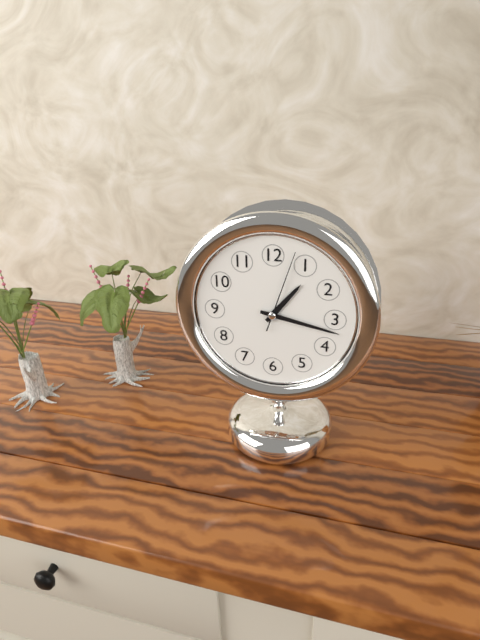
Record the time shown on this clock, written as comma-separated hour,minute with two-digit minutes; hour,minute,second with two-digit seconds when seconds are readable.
1,17,03
